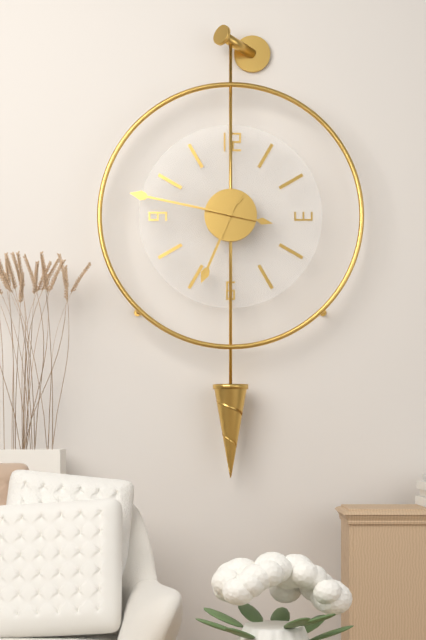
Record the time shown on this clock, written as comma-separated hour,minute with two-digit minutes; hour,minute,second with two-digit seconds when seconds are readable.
6,47
